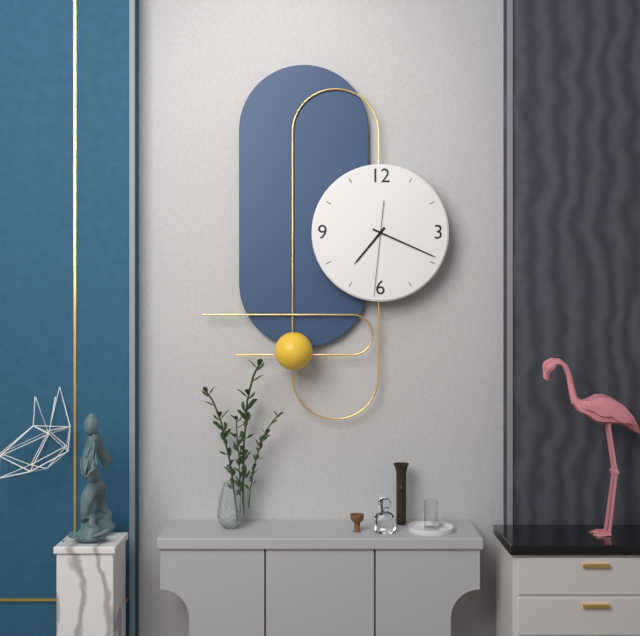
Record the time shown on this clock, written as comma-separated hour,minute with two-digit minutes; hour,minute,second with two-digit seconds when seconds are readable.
7,19,31
